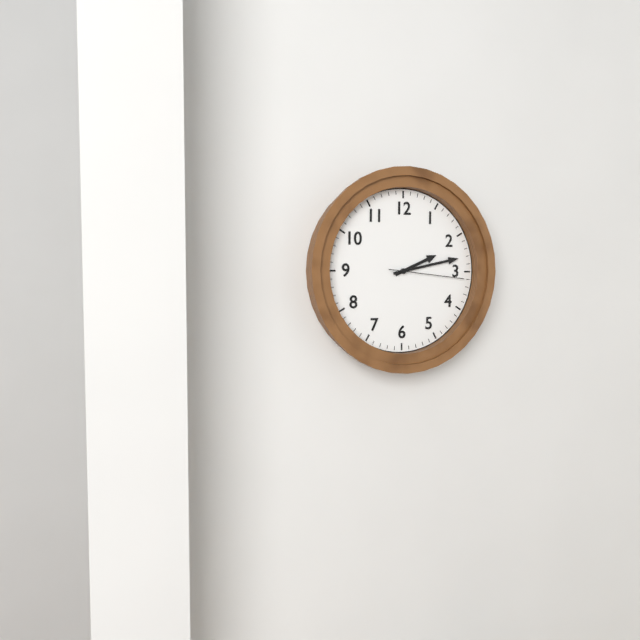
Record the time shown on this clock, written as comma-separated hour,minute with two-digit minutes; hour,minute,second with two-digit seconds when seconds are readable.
2,13,16
